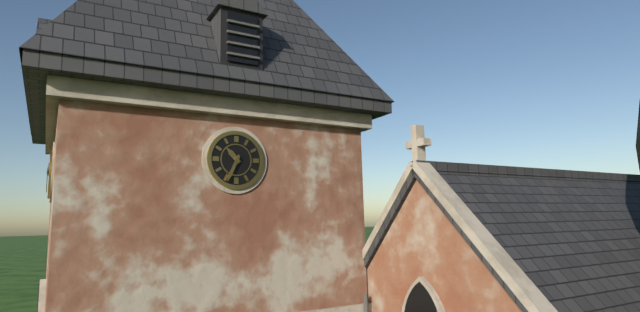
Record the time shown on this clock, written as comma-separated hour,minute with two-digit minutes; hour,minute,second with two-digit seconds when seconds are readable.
10,34
